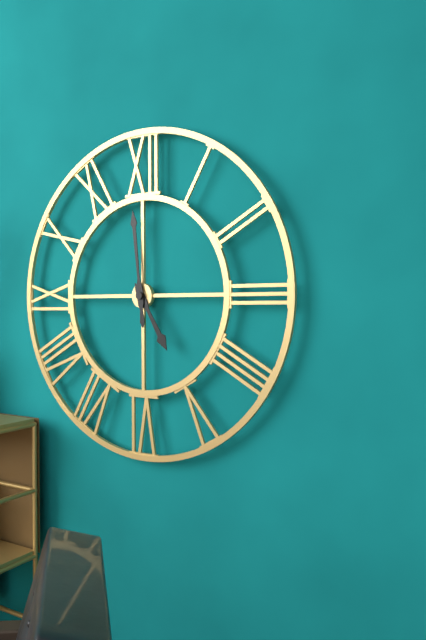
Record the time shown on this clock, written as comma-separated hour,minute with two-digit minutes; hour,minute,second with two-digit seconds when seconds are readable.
4,59
